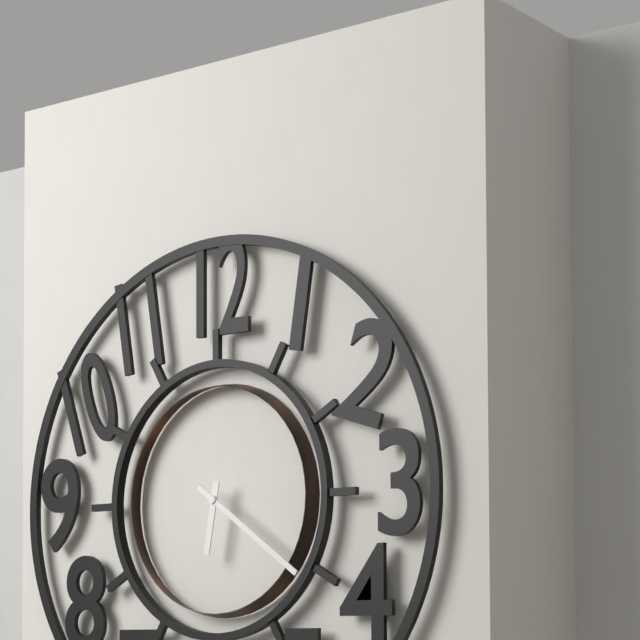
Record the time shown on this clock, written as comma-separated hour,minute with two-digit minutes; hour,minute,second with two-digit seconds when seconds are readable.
6,21
